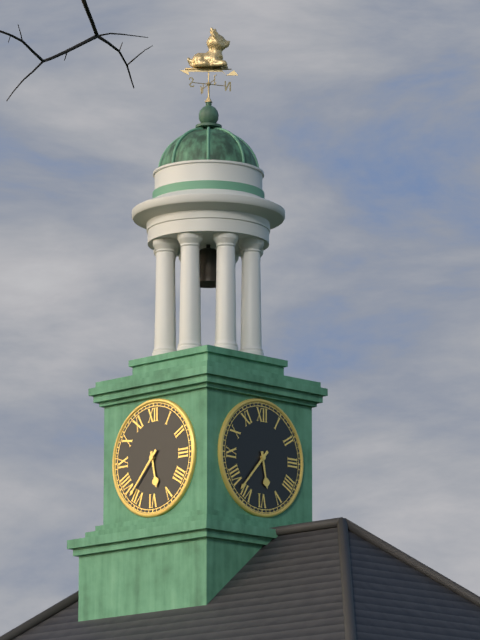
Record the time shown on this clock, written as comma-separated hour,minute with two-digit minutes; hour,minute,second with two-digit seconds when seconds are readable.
5,37
